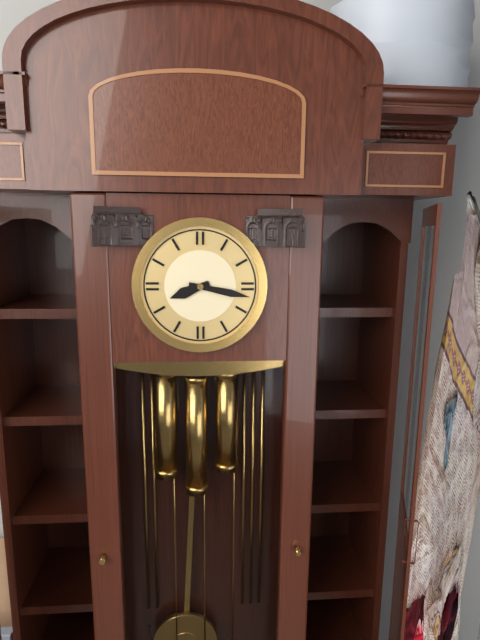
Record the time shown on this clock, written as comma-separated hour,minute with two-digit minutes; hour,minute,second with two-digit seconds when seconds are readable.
8,17
